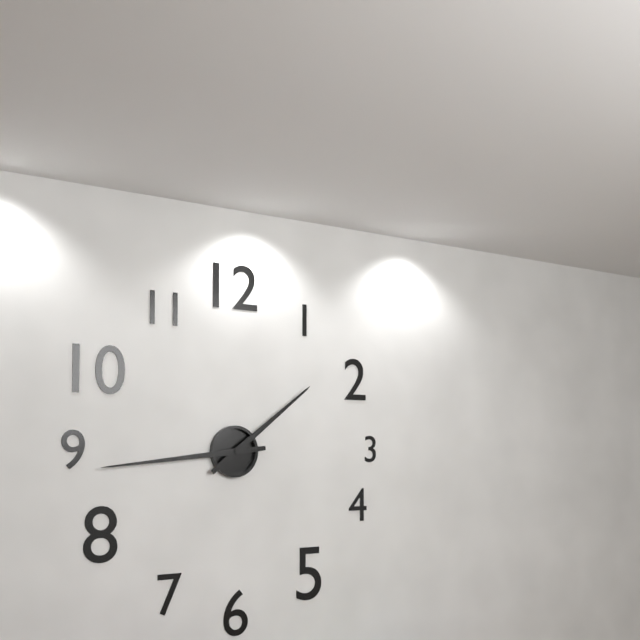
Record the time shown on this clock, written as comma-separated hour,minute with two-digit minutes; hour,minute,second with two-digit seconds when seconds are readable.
1,44
